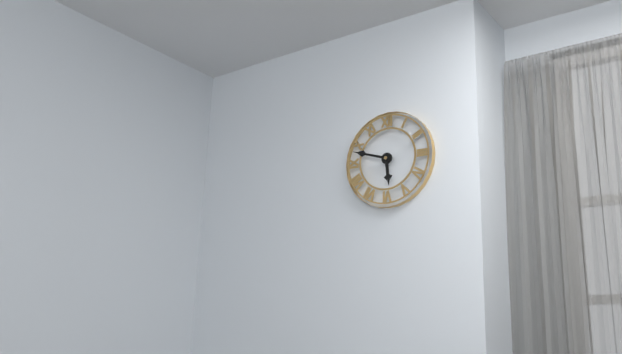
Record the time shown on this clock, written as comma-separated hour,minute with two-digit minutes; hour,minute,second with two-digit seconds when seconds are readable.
5,48
